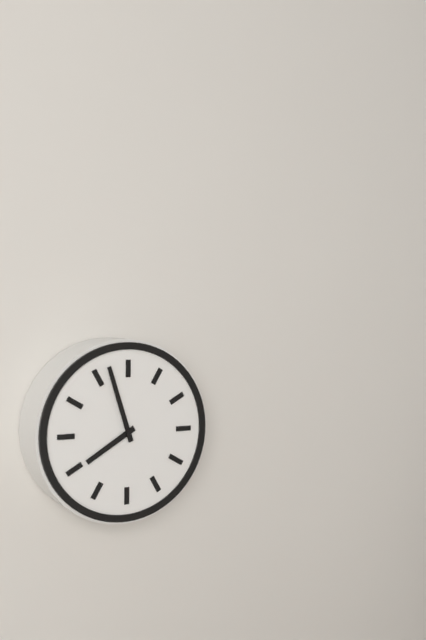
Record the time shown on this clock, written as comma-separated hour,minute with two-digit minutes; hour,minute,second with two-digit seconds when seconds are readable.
7,57
